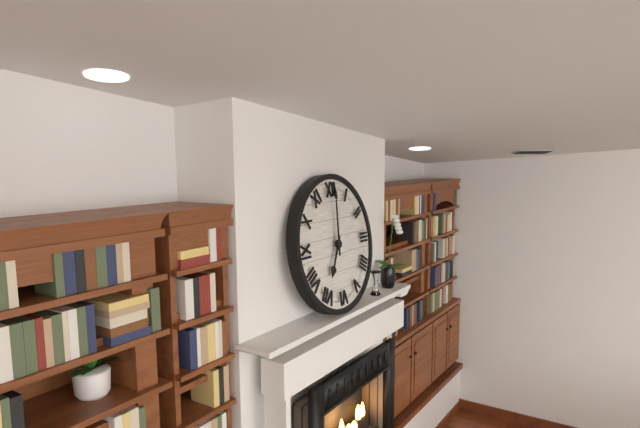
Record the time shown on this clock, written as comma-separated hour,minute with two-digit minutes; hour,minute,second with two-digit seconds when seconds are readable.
7,01
